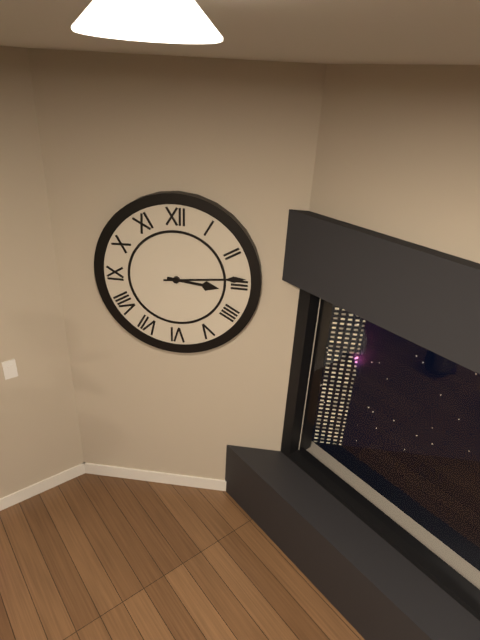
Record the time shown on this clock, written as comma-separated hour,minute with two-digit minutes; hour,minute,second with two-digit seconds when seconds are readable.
3,14
